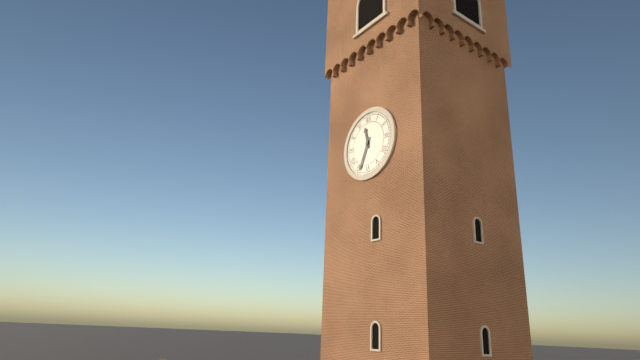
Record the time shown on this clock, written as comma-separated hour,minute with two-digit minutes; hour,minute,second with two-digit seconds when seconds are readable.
11,34
